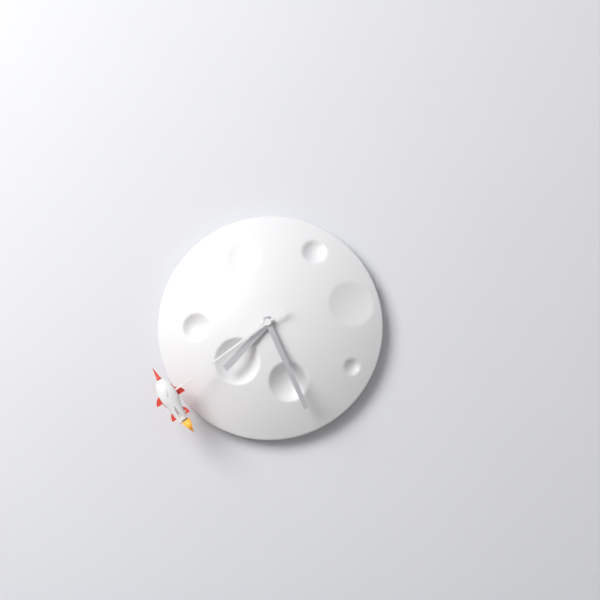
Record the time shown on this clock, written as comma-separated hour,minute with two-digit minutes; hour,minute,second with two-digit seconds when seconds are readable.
7,26,39
